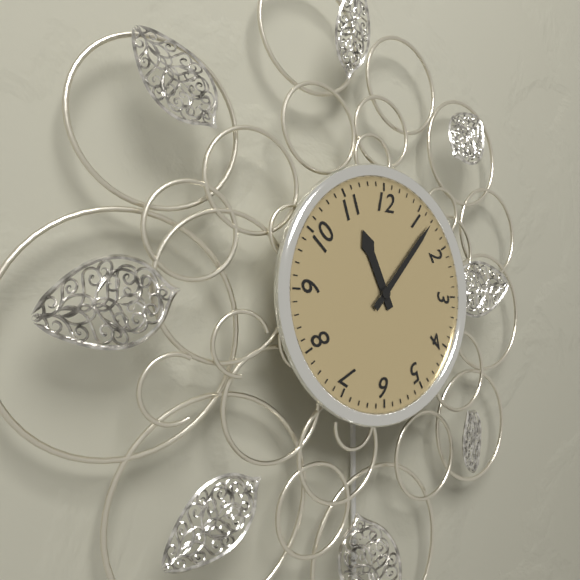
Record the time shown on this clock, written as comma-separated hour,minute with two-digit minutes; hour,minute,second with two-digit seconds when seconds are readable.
11,07
